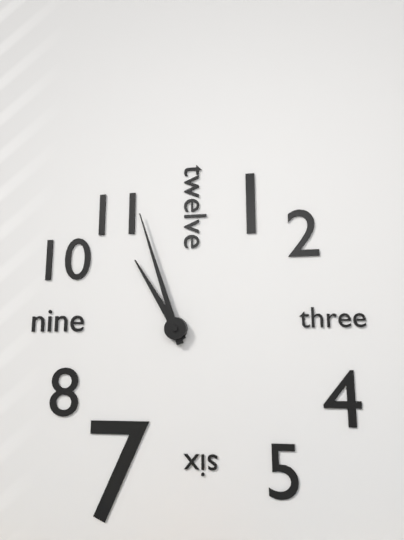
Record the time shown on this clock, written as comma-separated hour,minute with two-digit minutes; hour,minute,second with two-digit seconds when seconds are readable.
10,57
